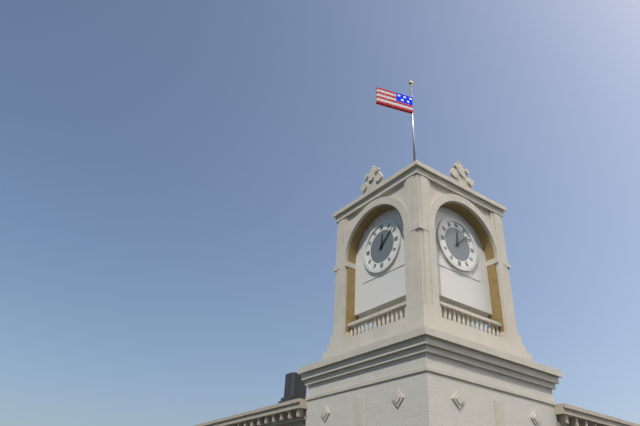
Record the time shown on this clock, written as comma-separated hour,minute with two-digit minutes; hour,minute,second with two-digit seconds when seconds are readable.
12,08
